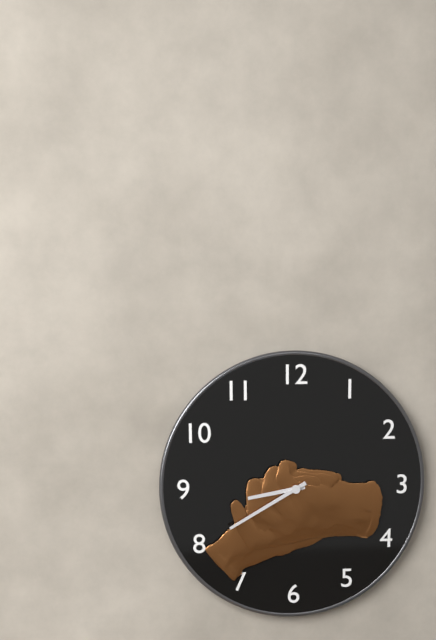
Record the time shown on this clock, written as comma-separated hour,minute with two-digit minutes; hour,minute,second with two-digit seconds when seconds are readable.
8,40
